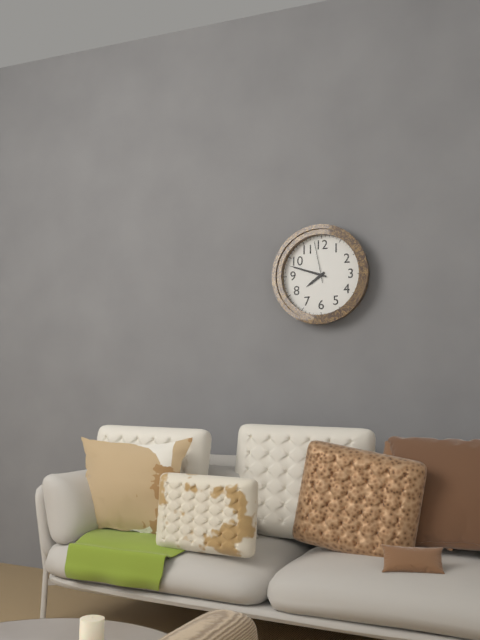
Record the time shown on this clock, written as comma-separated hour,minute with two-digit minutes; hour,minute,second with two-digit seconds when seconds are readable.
7,48
